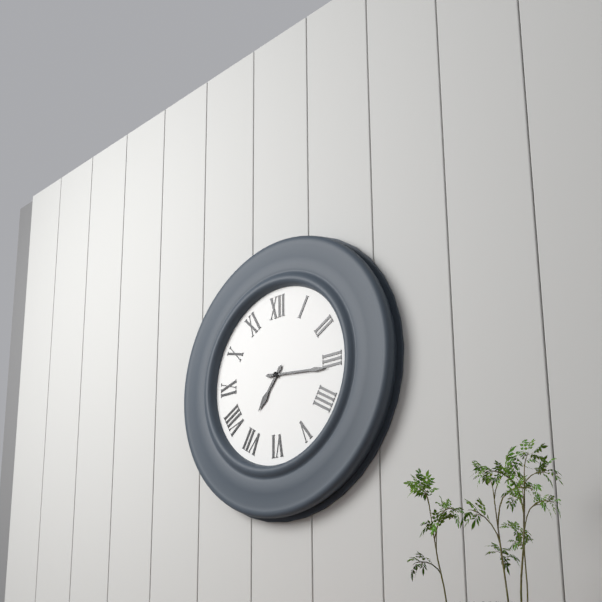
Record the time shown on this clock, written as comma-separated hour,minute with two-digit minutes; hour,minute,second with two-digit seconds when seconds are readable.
7,16
